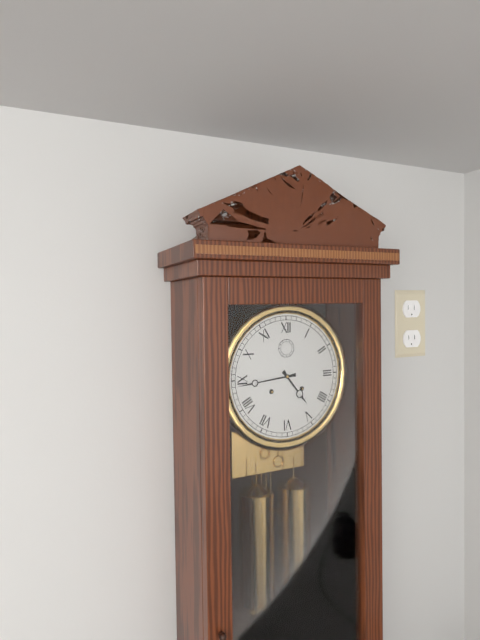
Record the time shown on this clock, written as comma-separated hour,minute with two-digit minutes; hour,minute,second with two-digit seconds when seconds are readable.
4,44
